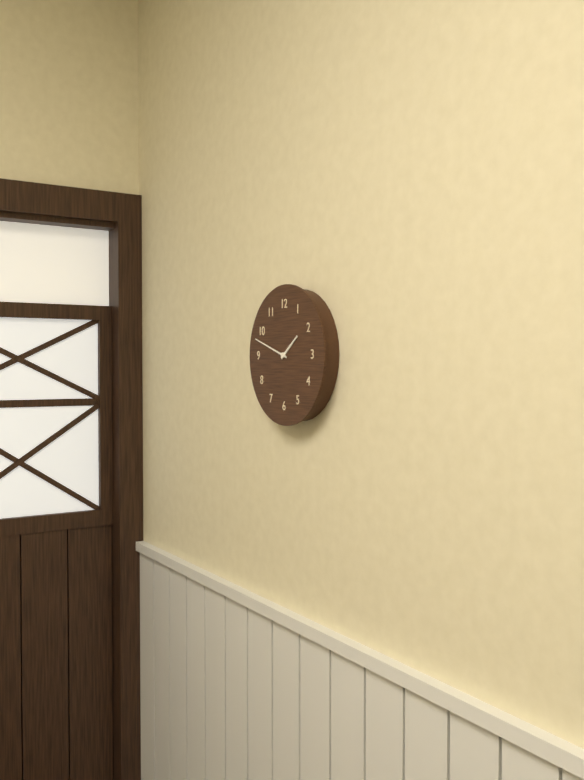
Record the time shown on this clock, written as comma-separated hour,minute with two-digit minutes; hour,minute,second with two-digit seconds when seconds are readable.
1,48
